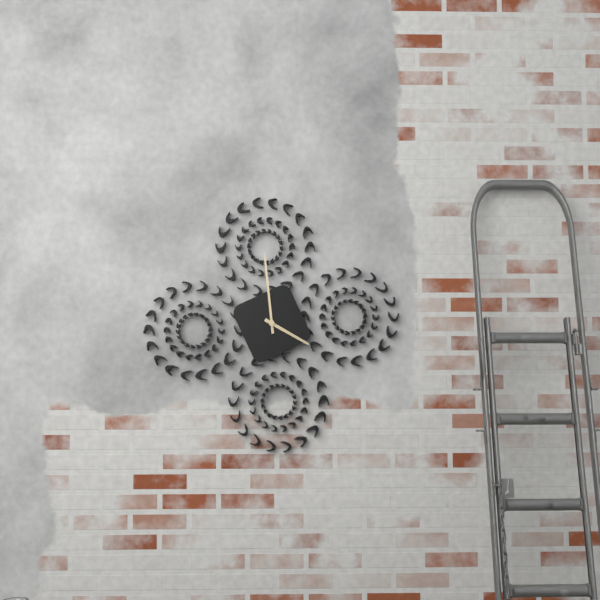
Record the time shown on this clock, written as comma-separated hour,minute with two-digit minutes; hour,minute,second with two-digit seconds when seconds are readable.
3,59
